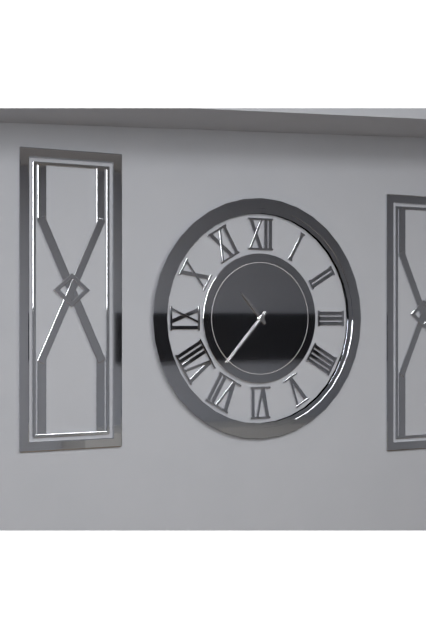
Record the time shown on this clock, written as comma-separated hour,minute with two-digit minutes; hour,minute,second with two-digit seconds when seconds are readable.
10,37
